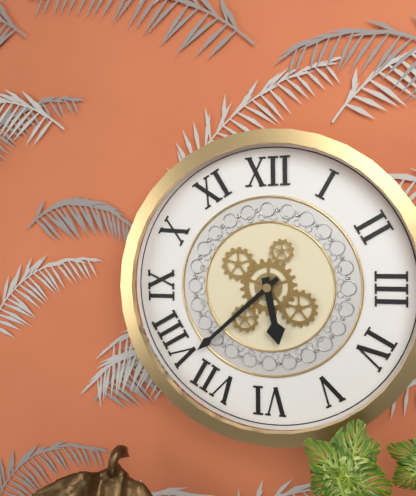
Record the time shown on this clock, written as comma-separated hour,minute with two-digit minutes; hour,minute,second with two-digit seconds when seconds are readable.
5,38
